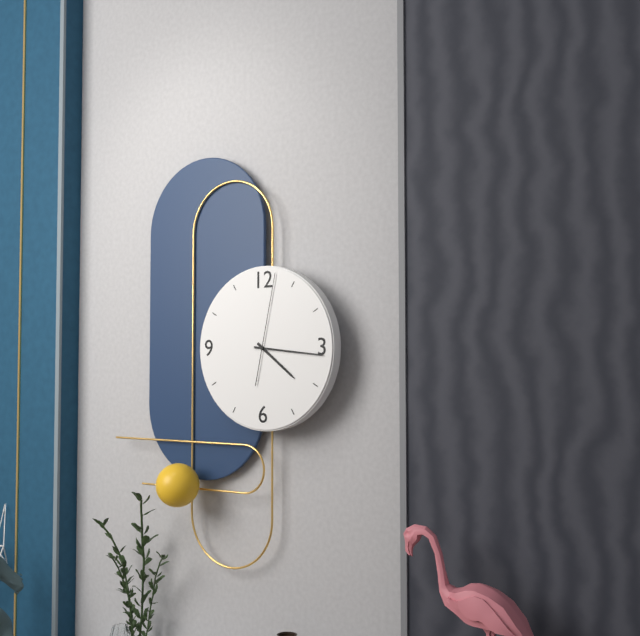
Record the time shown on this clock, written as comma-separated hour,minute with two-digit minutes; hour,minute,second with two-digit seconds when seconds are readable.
4,16,02
